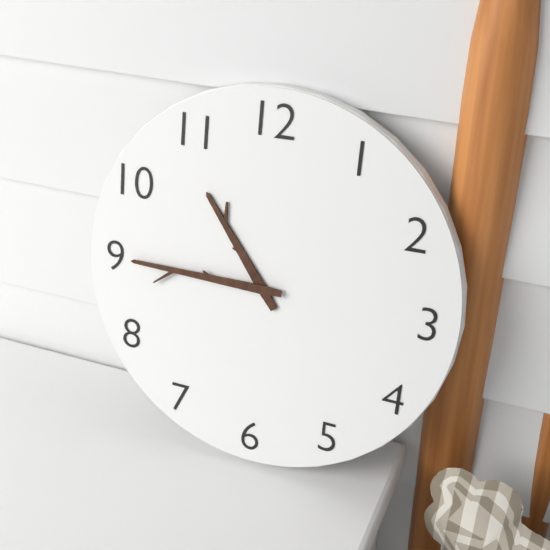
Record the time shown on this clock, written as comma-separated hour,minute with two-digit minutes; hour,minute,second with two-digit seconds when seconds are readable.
10,45
